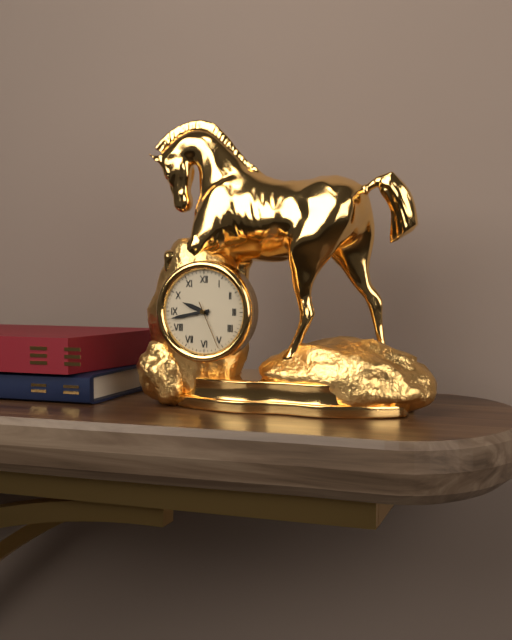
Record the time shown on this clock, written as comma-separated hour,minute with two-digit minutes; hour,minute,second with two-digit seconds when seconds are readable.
9,43
